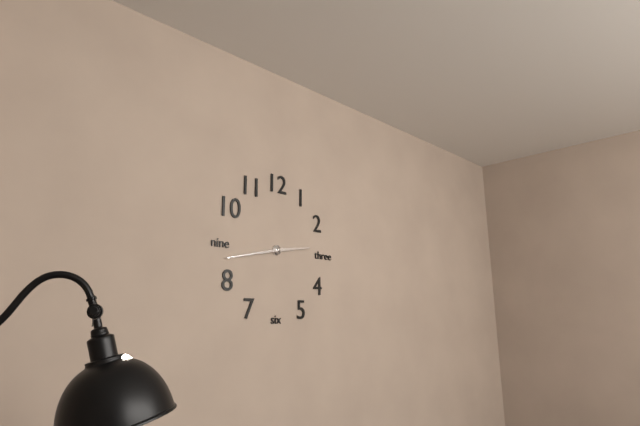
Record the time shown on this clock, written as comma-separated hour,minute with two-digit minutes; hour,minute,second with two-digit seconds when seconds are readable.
2,43
